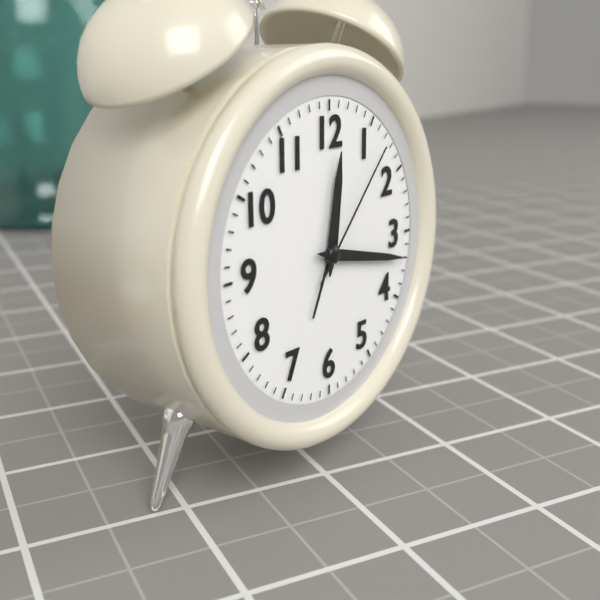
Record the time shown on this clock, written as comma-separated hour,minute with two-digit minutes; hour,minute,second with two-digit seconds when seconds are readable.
12,17,07
